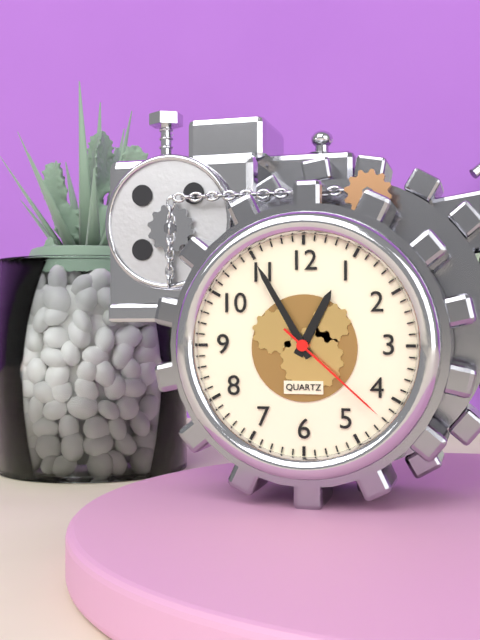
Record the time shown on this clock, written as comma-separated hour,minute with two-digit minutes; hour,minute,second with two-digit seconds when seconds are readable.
12,55,22
